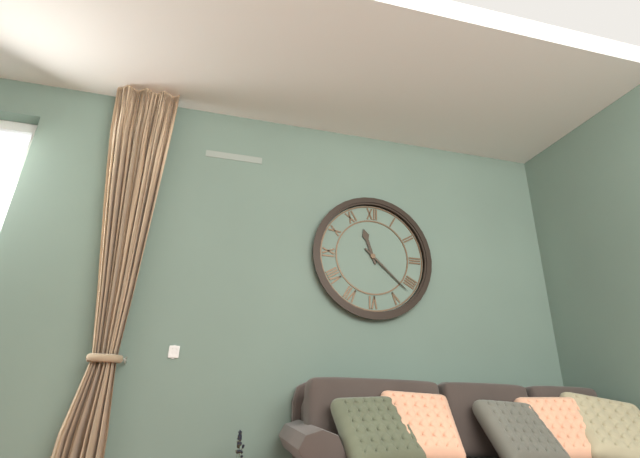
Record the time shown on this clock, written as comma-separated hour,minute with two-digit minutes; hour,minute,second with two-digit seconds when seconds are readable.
11,22
